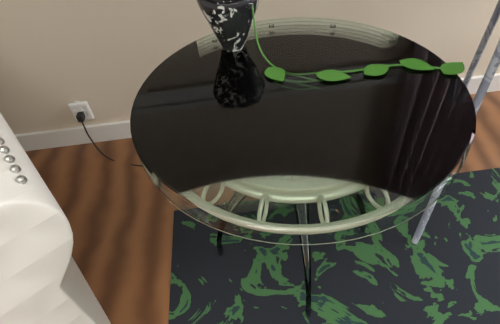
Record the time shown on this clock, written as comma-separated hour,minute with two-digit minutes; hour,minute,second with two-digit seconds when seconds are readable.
6,21
